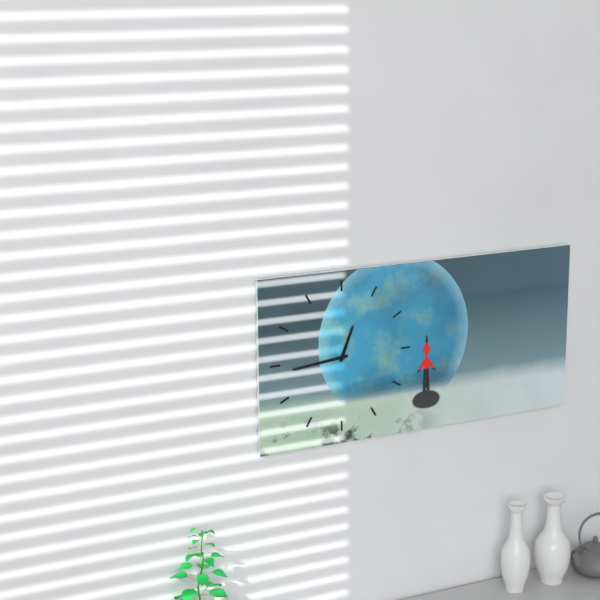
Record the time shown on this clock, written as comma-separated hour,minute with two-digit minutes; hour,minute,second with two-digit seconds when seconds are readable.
12,44
